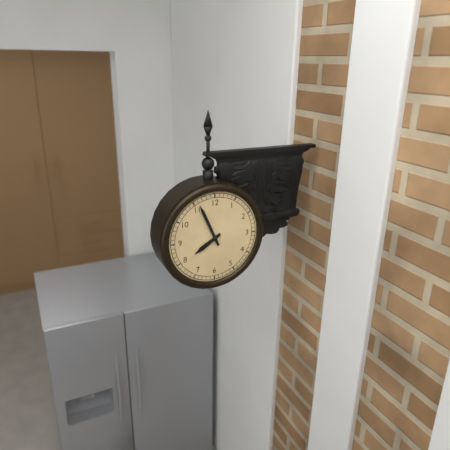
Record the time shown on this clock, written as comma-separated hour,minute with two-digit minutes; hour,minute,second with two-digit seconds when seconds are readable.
7,56
